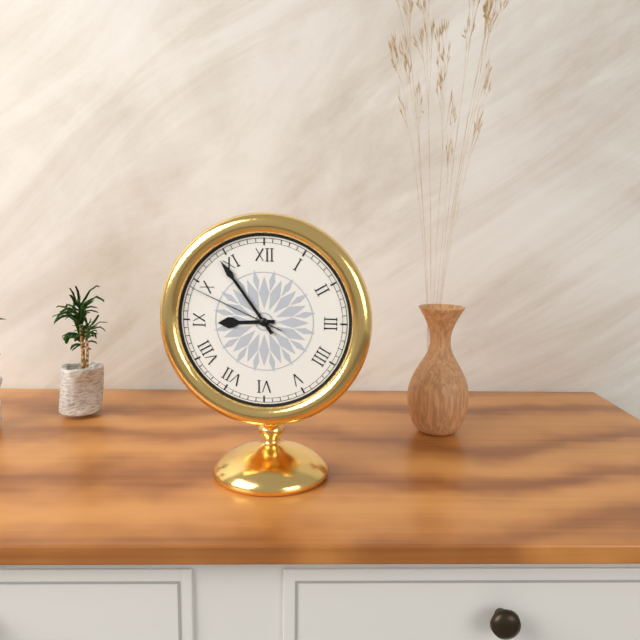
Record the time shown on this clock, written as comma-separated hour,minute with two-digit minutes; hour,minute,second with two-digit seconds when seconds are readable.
8,54,49
